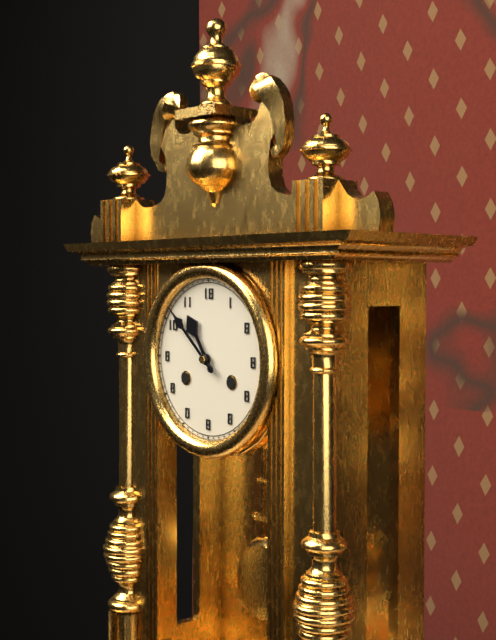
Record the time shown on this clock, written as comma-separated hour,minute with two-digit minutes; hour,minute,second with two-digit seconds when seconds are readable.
10,52
